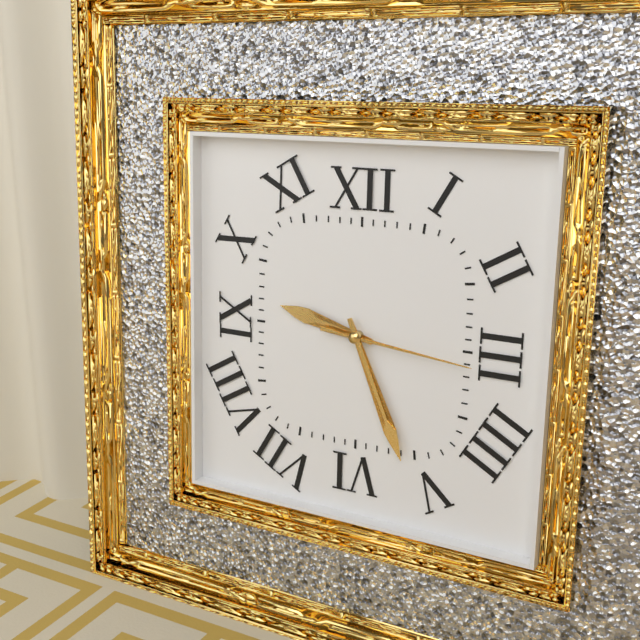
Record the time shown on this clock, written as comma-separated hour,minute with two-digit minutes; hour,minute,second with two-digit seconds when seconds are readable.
9,26,16
